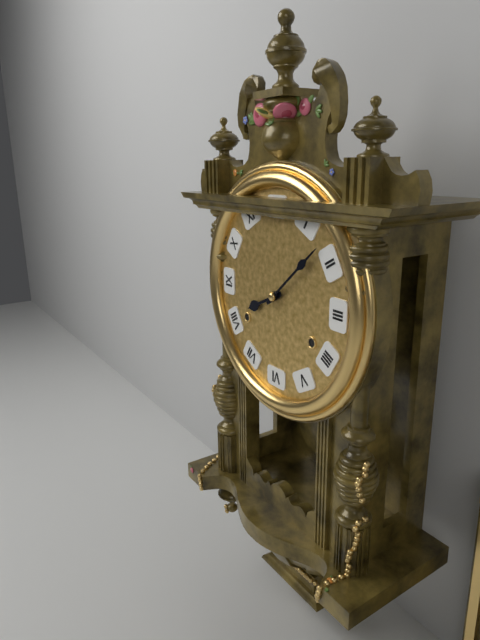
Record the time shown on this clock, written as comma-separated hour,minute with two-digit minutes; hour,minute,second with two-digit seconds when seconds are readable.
8,08
